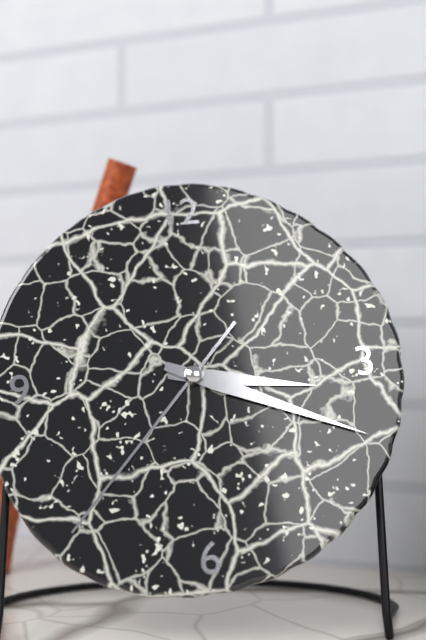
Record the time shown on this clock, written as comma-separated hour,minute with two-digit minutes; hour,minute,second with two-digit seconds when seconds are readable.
3,19,37
